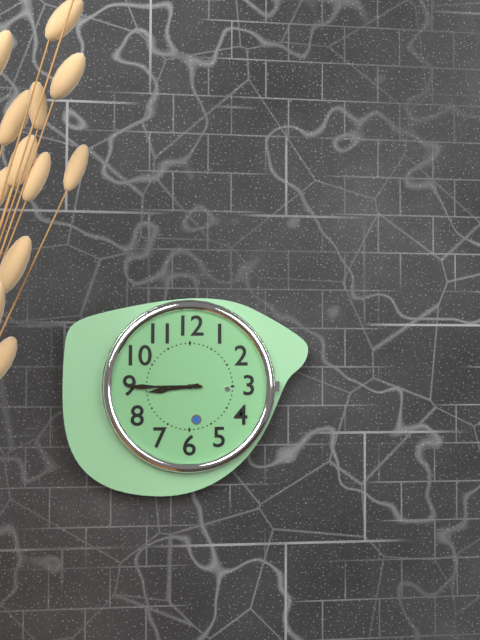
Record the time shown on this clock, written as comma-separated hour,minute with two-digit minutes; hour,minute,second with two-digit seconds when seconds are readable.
8,45
